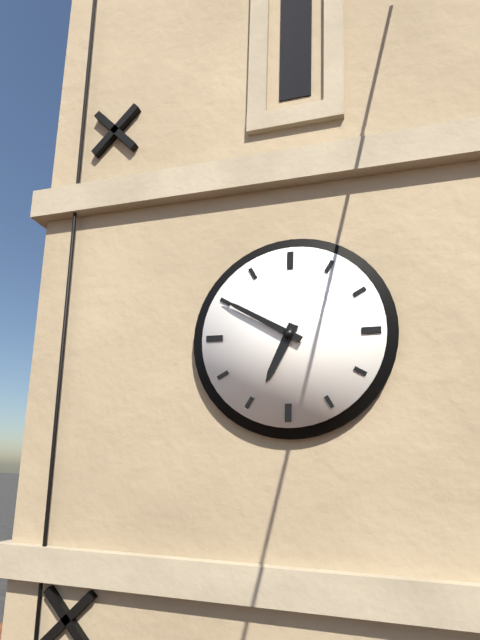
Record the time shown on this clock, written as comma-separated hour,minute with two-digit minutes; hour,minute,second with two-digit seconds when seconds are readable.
6,50
